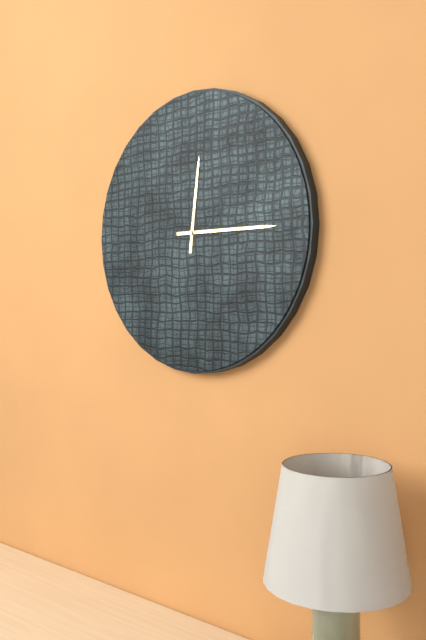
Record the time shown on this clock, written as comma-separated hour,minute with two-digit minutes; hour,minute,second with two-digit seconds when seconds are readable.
12,15
